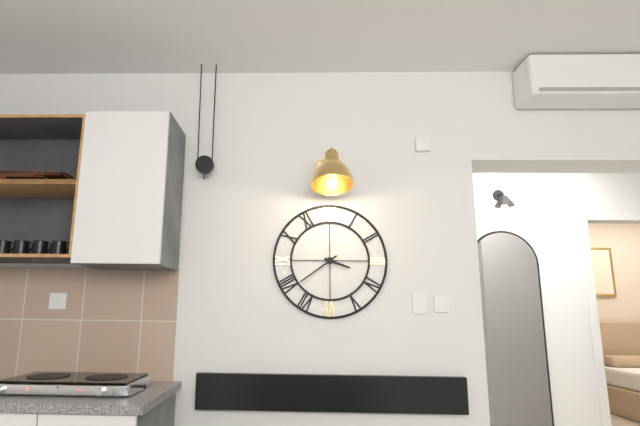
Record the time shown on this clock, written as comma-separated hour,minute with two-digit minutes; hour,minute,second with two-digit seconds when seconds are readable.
3,39
